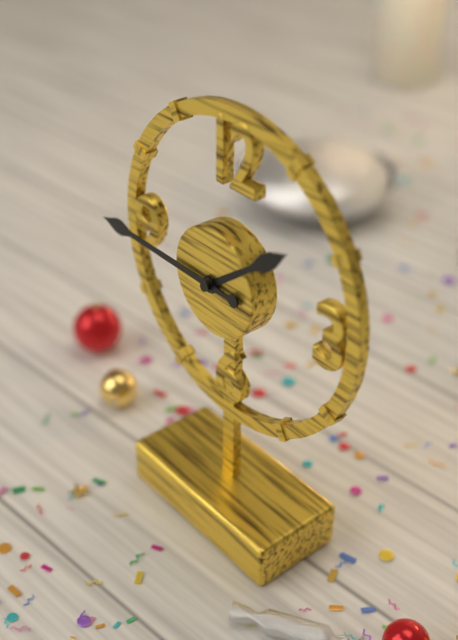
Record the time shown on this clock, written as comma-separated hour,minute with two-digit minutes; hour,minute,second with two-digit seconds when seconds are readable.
1,45
